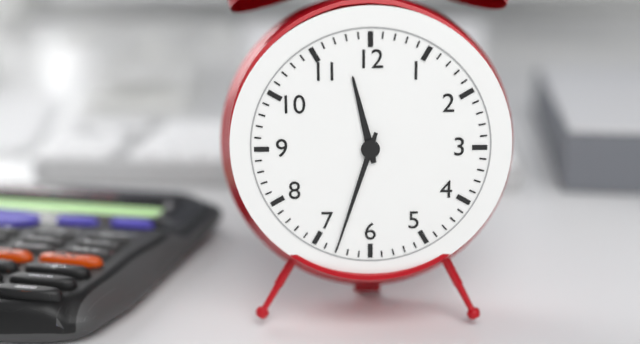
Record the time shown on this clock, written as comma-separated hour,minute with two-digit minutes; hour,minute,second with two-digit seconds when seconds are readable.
11,33
